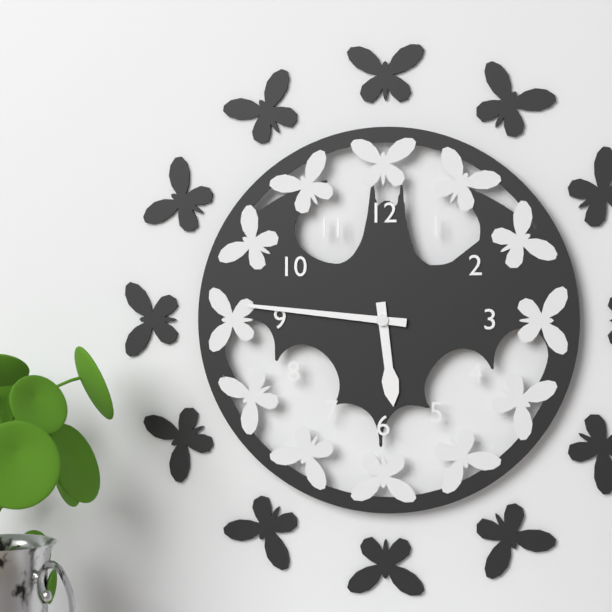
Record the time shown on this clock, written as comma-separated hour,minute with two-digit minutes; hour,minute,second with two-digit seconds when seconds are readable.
5,46
